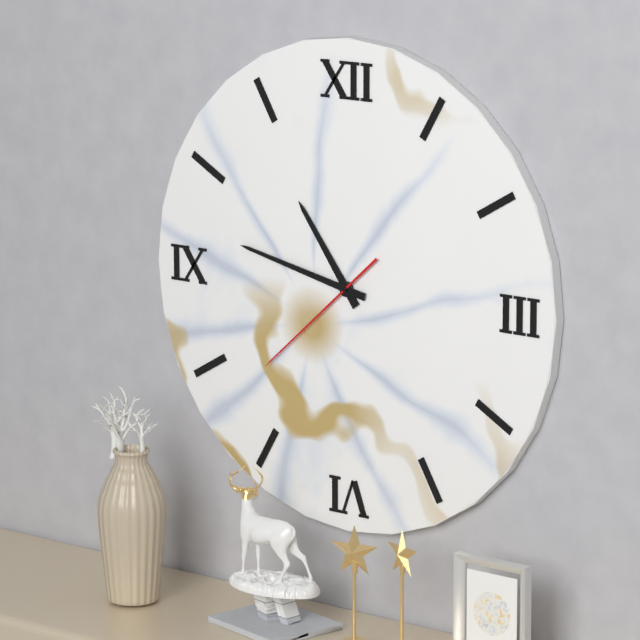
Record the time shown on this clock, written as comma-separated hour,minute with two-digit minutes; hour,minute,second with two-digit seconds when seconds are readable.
10,47,38
